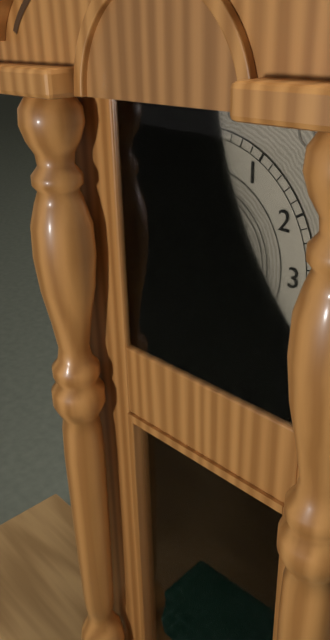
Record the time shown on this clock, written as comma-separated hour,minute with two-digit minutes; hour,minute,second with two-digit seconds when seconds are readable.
4,40
